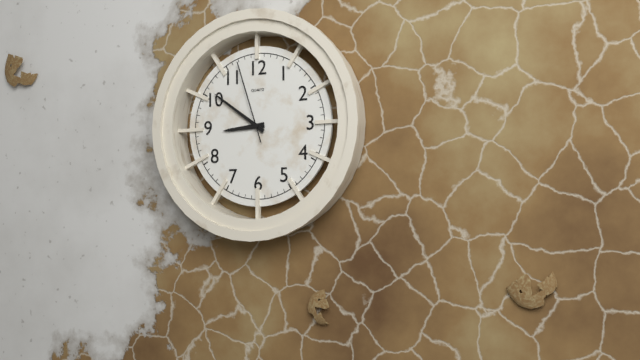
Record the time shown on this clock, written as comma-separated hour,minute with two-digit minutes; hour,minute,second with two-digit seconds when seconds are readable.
8,51,57
